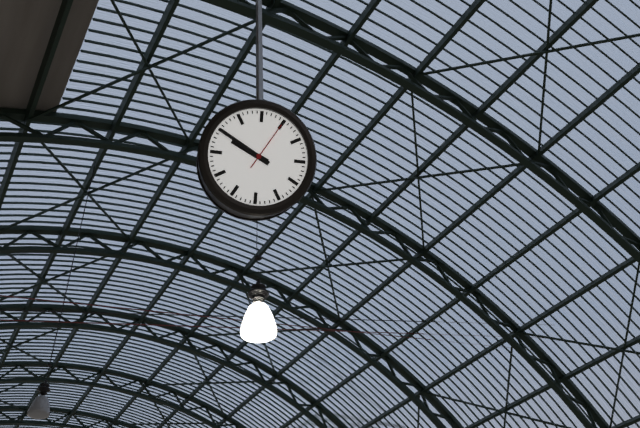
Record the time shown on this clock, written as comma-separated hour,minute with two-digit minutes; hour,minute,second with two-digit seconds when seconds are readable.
9,50
